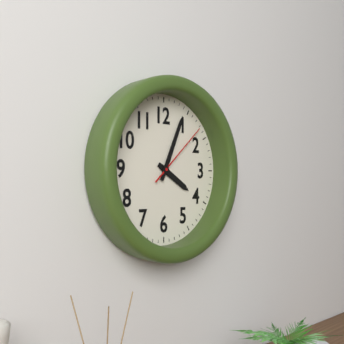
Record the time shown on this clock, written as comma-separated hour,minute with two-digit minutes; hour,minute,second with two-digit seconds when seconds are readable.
4,04,08
